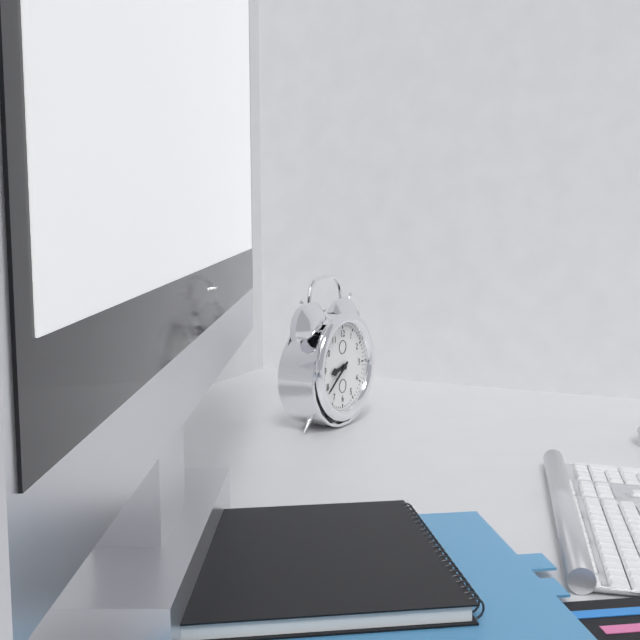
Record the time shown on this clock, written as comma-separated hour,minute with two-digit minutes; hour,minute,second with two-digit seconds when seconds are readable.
8,39
